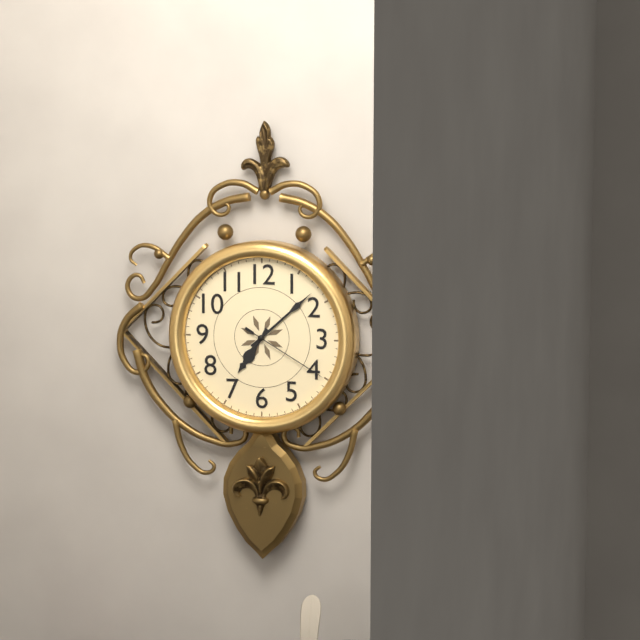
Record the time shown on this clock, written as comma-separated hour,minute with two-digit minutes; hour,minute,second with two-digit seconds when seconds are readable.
7,08,20
